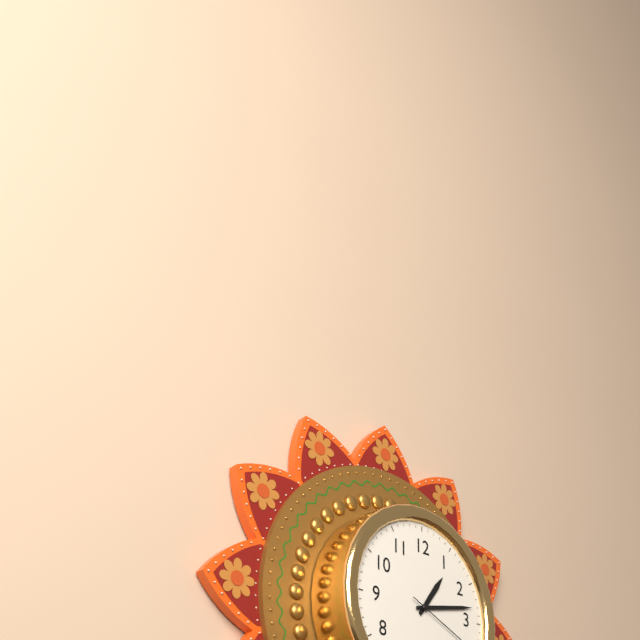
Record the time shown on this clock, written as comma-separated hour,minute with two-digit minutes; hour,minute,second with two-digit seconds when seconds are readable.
1,13
